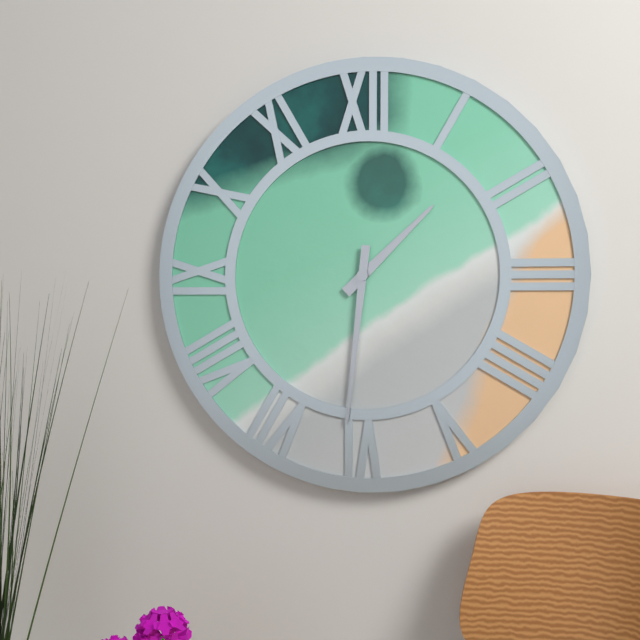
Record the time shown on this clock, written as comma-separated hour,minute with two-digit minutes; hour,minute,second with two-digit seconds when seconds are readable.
1,31
